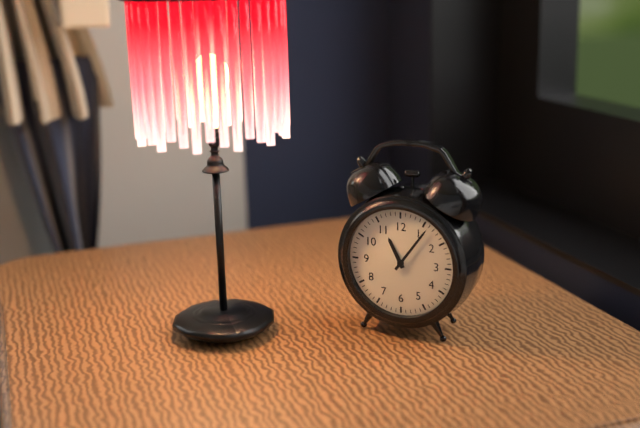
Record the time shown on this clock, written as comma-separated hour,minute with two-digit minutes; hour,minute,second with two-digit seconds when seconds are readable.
11,06
